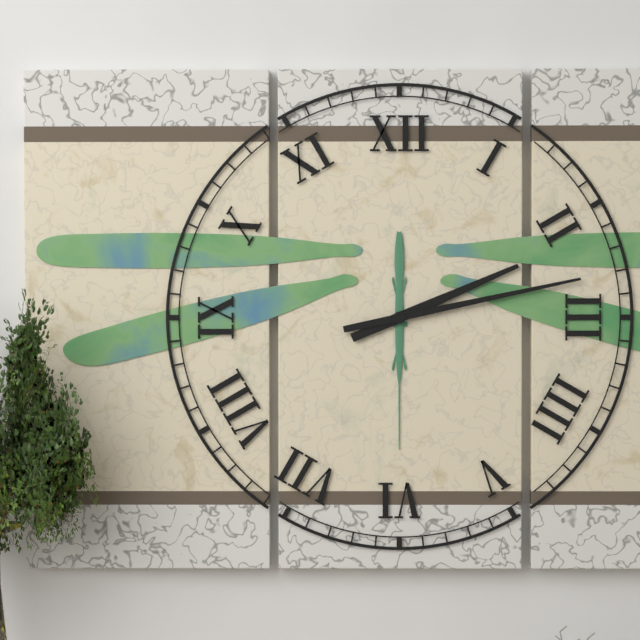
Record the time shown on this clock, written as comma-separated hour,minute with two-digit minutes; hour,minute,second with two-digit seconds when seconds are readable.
2,13
